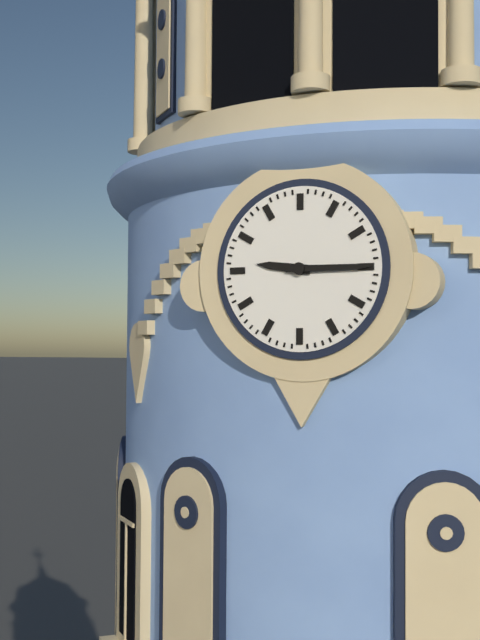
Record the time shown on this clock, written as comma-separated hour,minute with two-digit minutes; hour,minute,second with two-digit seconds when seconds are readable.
9,15
